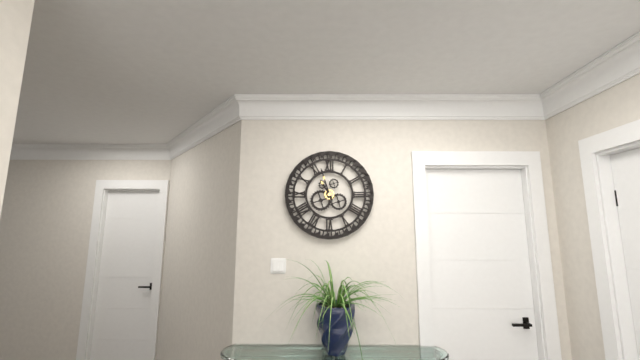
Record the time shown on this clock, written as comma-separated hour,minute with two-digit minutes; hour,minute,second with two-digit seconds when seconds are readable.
10,57
